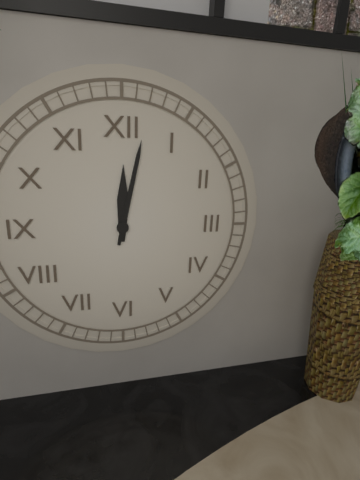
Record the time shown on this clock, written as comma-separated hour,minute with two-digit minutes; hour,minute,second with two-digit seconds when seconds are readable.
12,02
